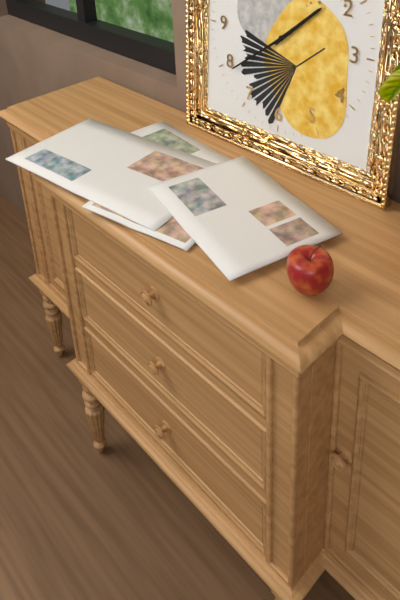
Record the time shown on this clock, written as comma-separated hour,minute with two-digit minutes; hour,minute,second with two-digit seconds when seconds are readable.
1,39
